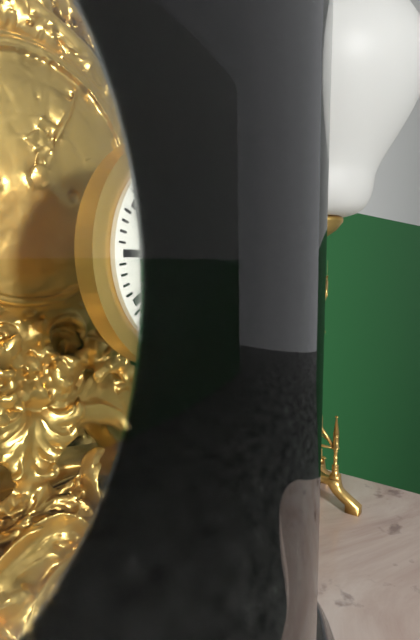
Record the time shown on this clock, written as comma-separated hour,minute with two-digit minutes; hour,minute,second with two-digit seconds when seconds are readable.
10,13
